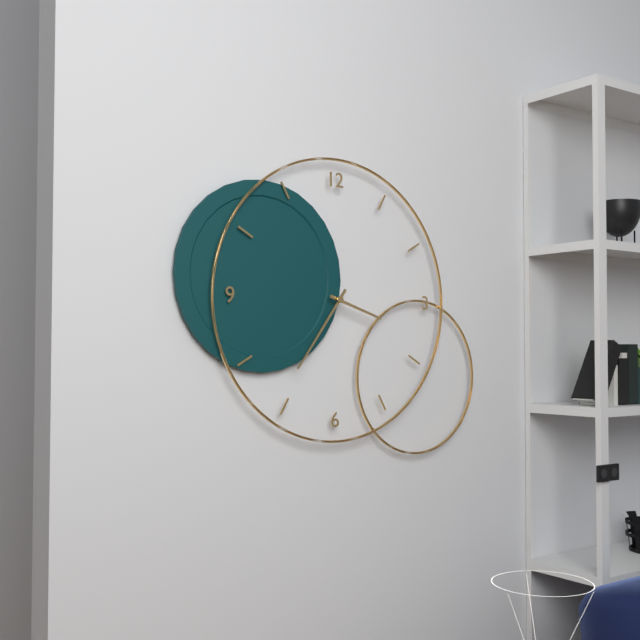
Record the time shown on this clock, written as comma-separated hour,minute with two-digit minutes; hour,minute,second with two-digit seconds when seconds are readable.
3,36
